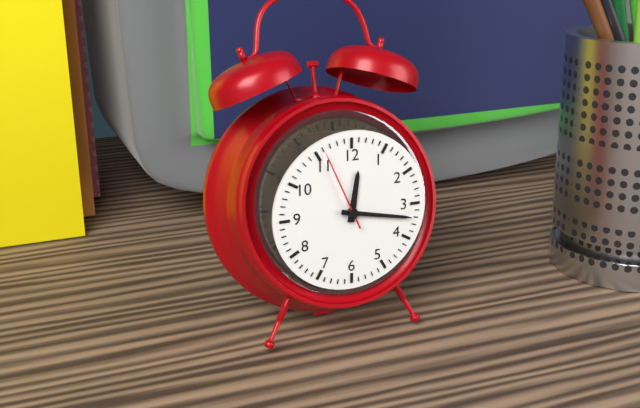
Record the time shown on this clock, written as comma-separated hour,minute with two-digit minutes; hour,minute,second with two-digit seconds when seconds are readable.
12,17,56
